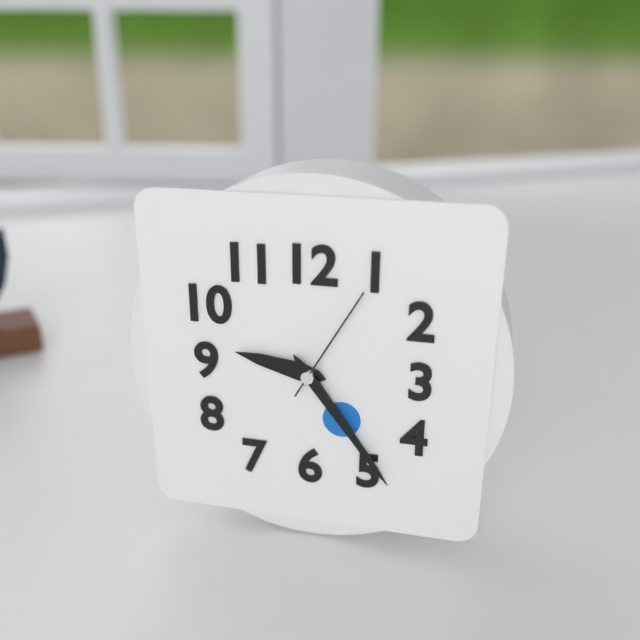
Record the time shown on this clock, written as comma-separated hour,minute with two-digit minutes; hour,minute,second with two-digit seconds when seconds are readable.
9,24,05
